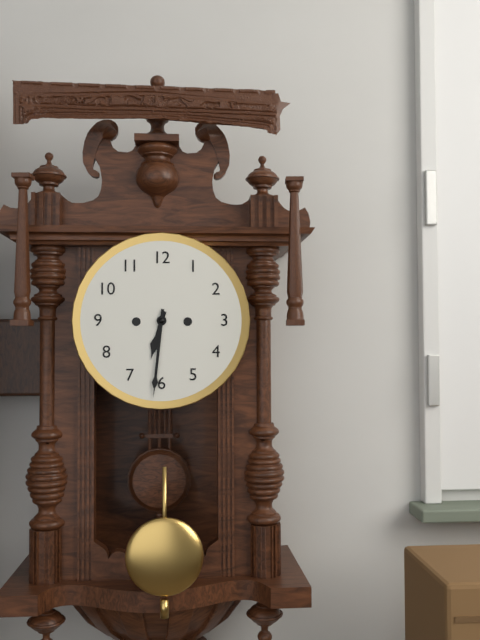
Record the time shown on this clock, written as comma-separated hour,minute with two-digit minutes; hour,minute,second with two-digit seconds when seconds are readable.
6,31
